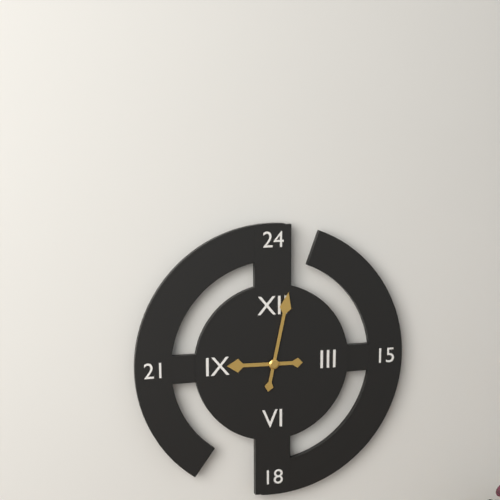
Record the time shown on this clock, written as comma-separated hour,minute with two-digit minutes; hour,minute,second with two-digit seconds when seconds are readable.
9,02
